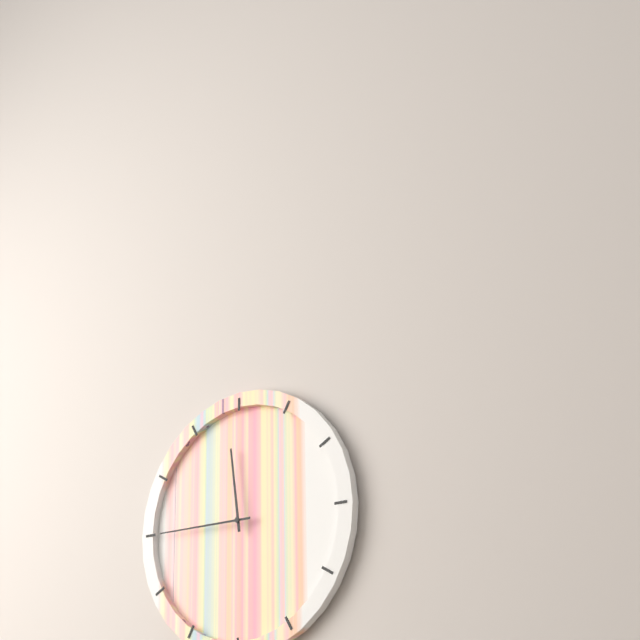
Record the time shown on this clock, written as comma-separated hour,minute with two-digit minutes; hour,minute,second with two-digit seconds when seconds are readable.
11,45
